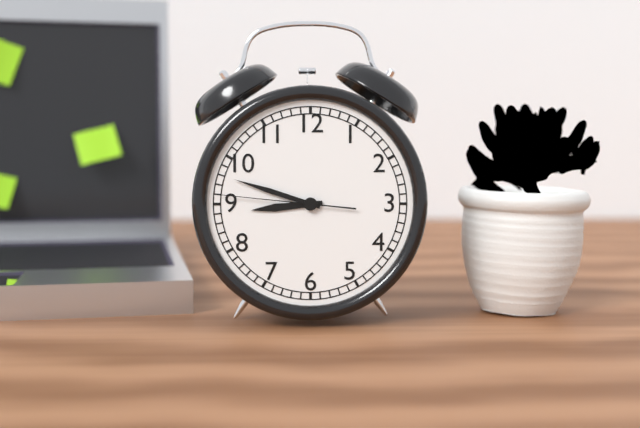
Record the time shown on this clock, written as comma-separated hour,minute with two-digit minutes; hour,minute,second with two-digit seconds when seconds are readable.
8,48,46
